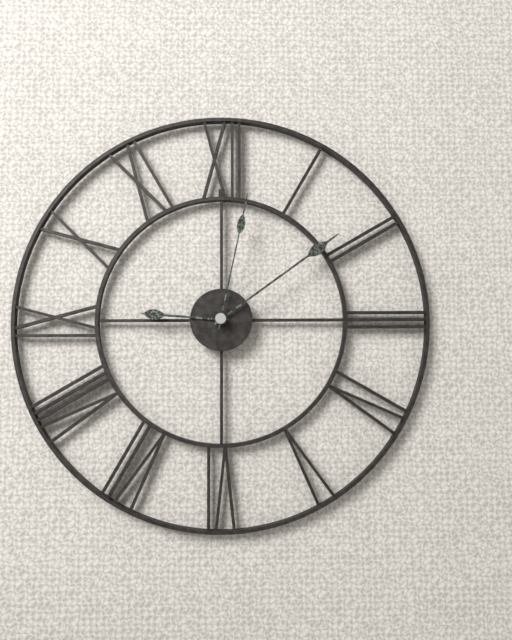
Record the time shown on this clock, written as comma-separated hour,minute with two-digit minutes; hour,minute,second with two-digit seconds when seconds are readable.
9,09,02
